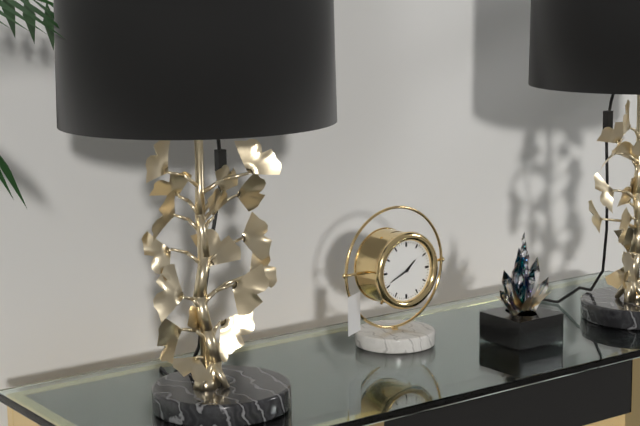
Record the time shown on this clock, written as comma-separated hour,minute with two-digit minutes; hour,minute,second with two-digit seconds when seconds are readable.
1,41
